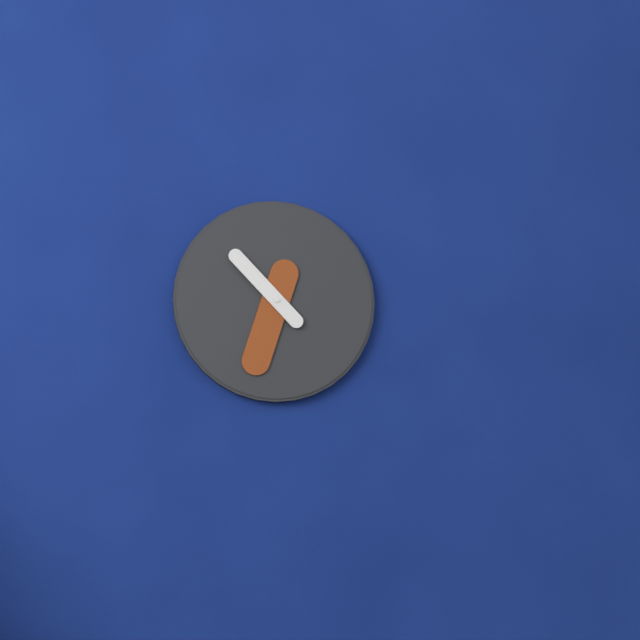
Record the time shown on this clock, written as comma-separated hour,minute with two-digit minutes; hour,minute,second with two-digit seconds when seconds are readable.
10,33
